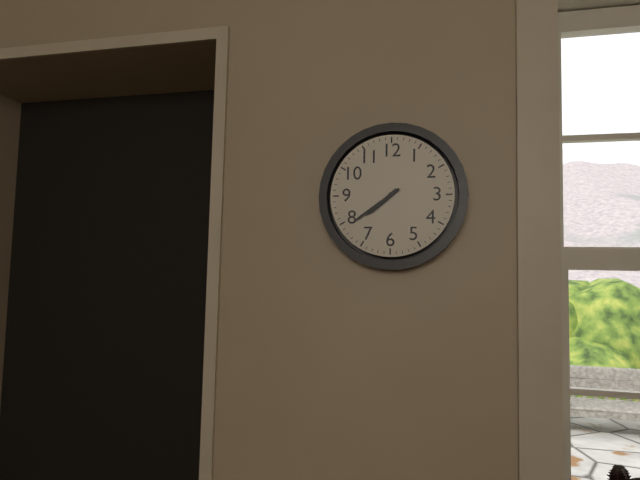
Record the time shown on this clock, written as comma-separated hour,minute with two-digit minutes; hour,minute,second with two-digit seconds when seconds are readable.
7,39
